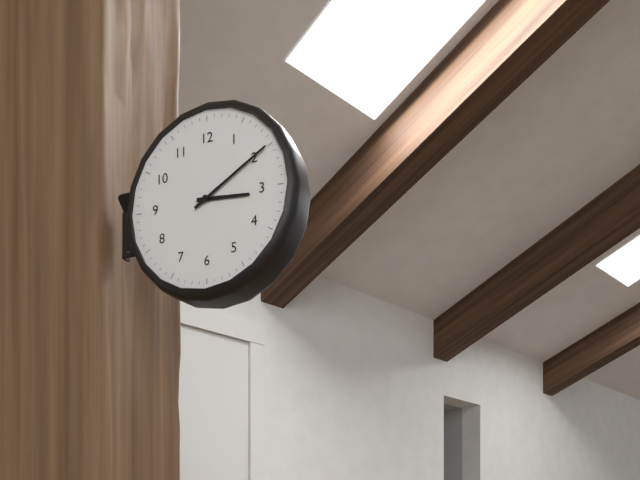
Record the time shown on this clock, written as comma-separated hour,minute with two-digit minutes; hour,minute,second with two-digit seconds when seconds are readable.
3,10
